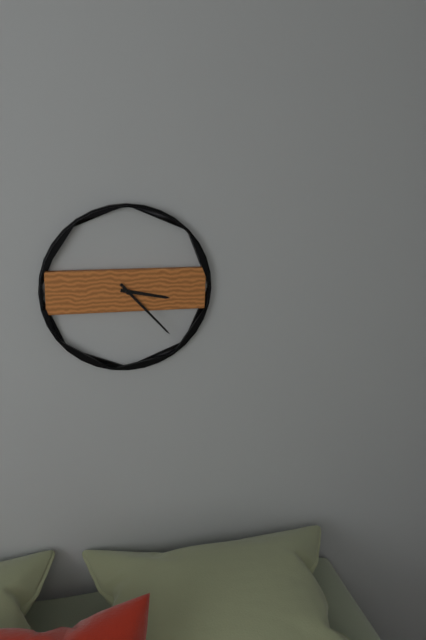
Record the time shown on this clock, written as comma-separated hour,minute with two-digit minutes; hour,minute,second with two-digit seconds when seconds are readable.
3,23
